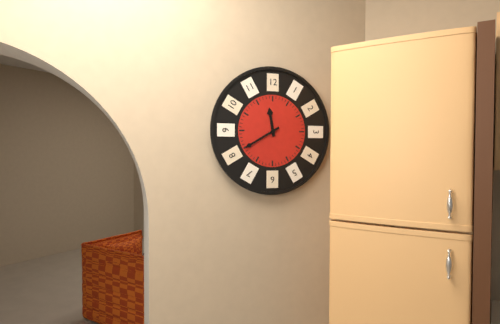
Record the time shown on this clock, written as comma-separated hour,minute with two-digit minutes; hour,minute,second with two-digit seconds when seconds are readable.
11,40
